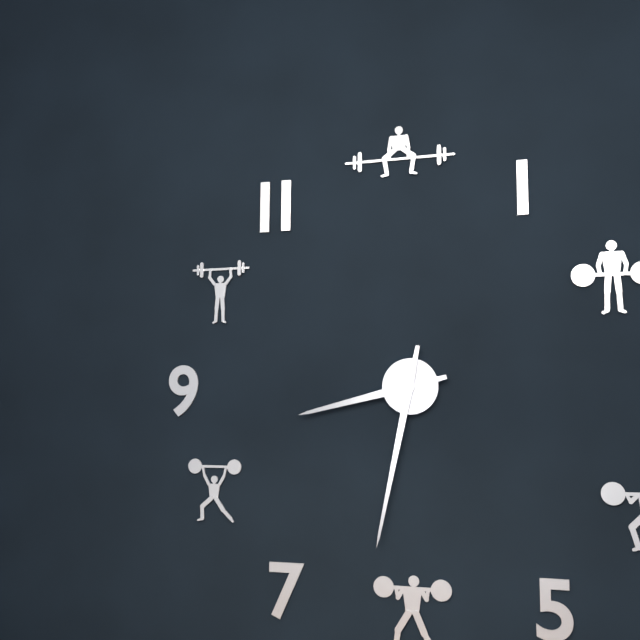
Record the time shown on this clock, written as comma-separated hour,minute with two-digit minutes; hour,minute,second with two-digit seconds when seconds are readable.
8,32
